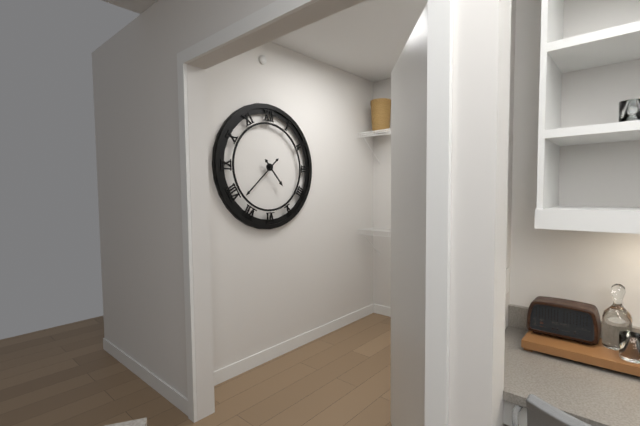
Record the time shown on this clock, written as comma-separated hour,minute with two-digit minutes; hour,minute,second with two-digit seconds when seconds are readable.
4,38
